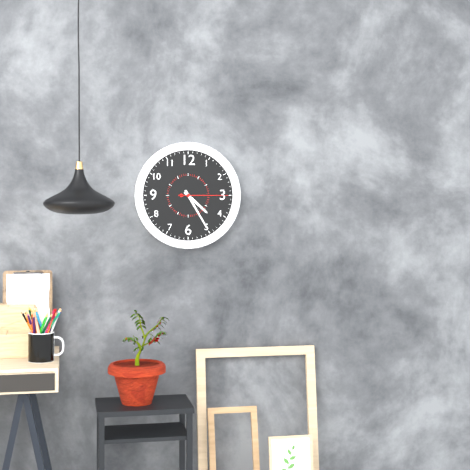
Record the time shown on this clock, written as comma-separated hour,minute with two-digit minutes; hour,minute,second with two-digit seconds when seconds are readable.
4,25,15
